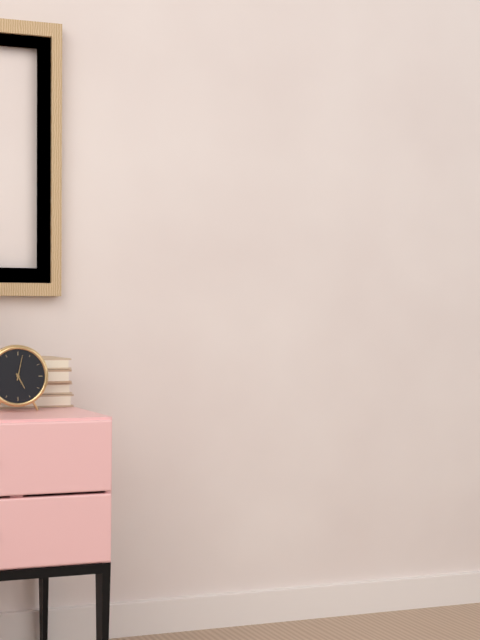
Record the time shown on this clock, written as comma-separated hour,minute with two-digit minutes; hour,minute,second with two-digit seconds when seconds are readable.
5,02
